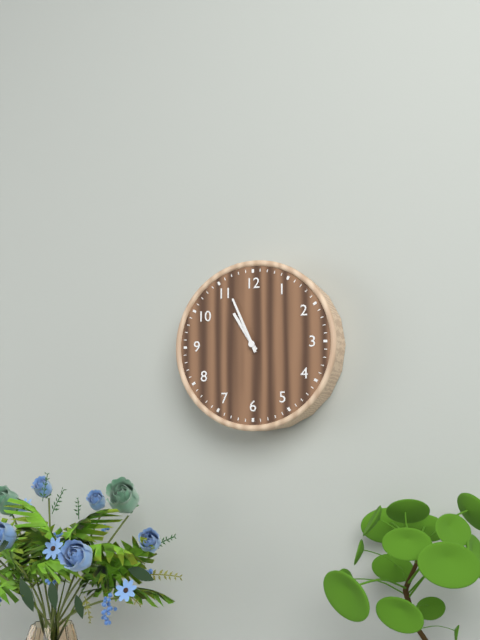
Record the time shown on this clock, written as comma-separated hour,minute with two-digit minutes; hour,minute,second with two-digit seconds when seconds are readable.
10,56
